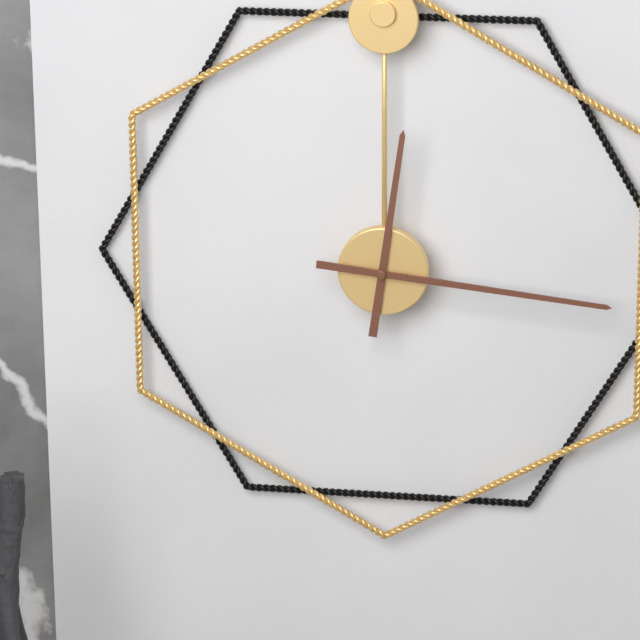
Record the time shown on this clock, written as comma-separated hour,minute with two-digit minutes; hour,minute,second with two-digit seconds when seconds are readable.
12,16
